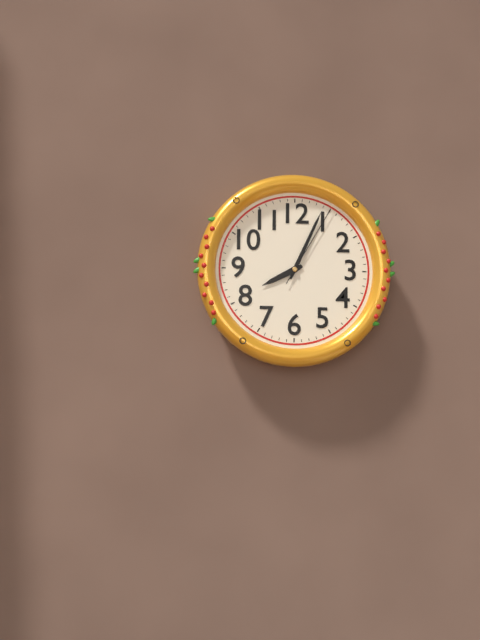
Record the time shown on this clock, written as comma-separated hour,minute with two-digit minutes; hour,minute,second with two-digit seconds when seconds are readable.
8,04,05
